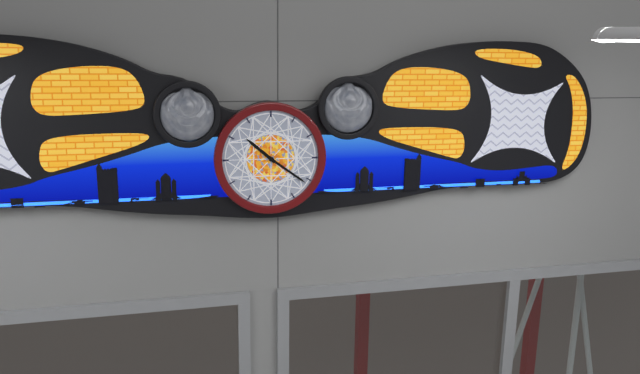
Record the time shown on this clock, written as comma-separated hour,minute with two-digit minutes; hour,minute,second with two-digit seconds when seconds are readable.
10,21
